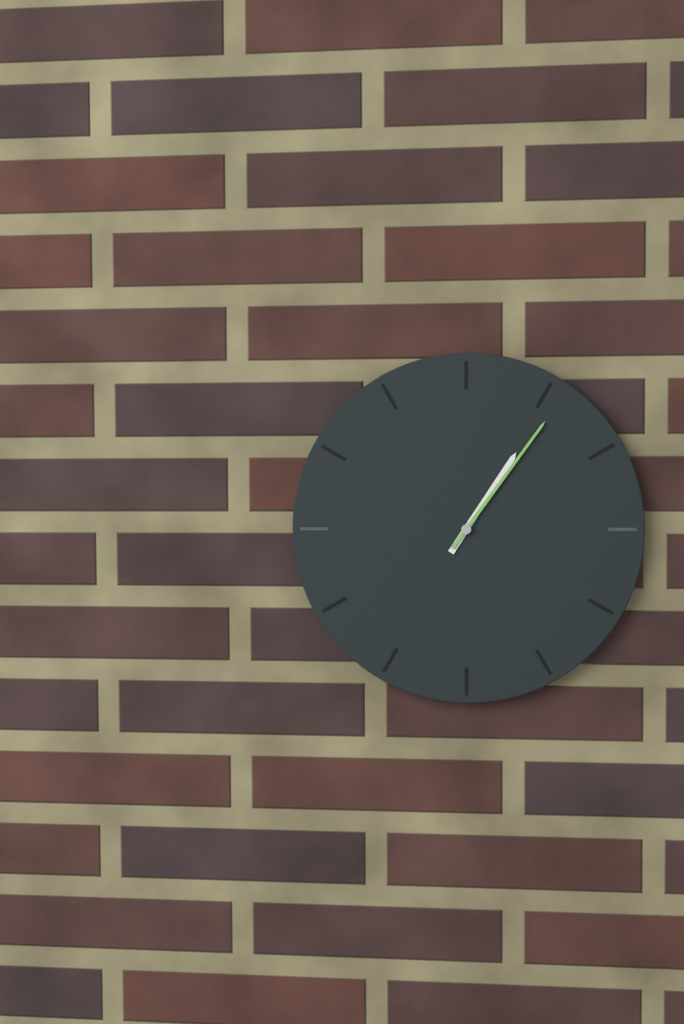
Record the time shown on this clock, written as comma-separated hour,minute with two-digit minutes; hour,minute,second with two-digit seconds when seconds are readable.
1,06
